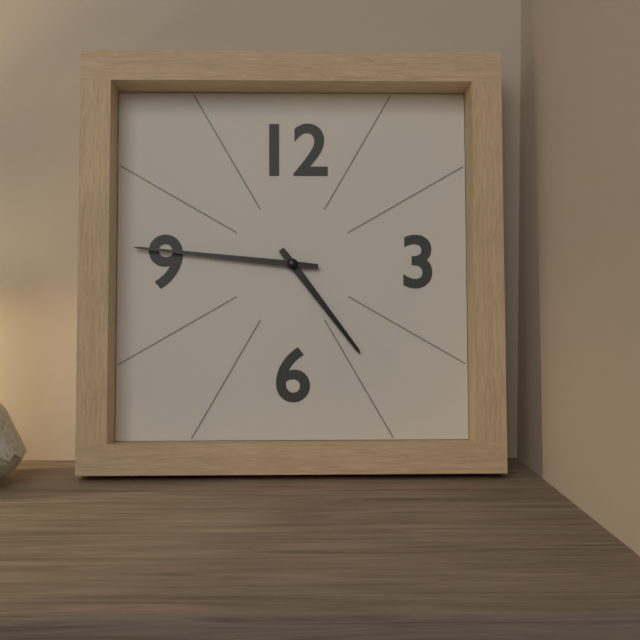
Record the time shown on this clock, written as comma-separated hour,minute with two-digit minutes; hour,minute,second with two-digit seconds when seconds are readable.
4,46
